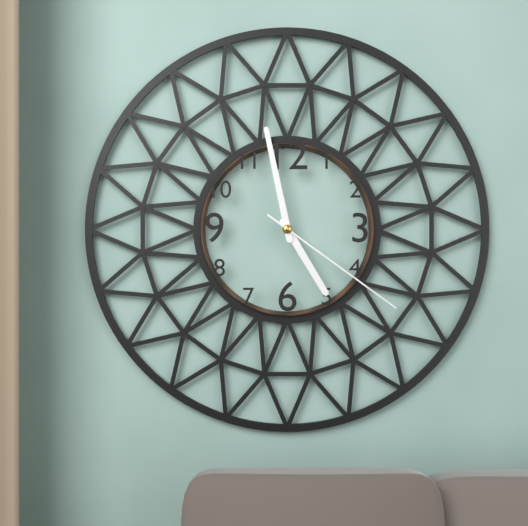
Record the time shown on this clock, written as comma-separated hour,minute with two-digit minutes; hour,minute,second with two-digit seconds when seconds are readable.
4,58,21
